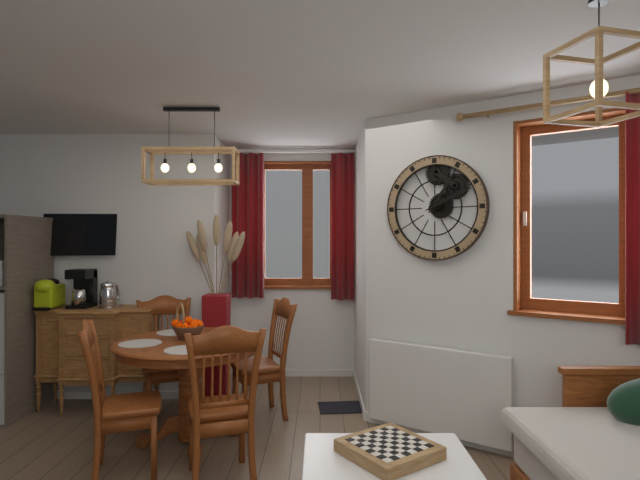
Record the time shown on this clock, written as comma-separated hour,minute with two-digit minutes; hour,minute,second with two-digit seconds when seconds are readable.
1,11
